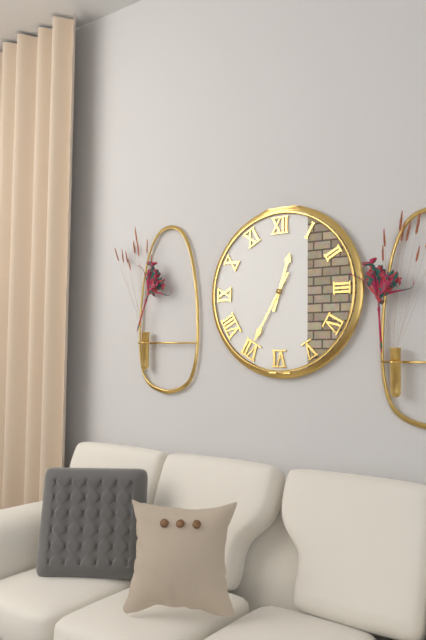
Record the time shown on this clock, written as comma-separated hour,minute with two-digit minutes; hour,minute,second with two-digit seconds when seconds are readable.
12,35
